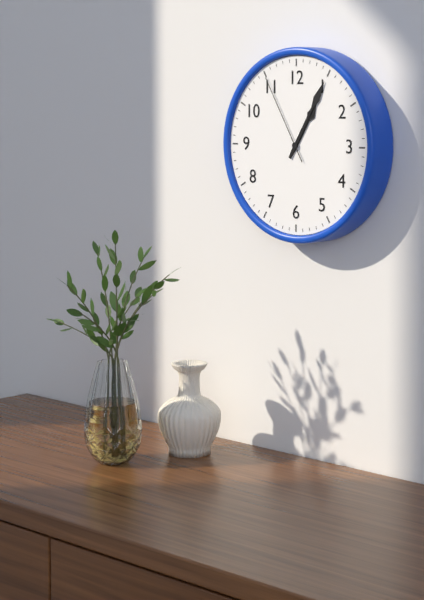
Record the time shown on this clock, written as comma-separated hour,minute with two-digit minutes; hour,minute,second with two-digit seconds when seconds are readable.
1,05,55
